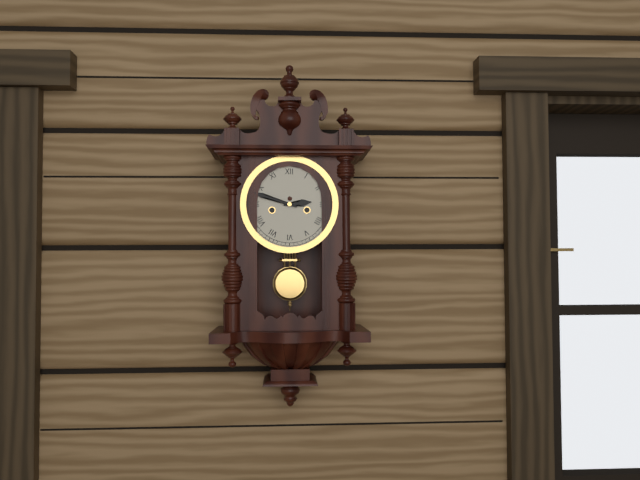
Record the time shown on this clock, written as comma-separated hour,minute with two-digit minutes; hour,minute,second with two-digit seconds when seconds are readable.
2,48
